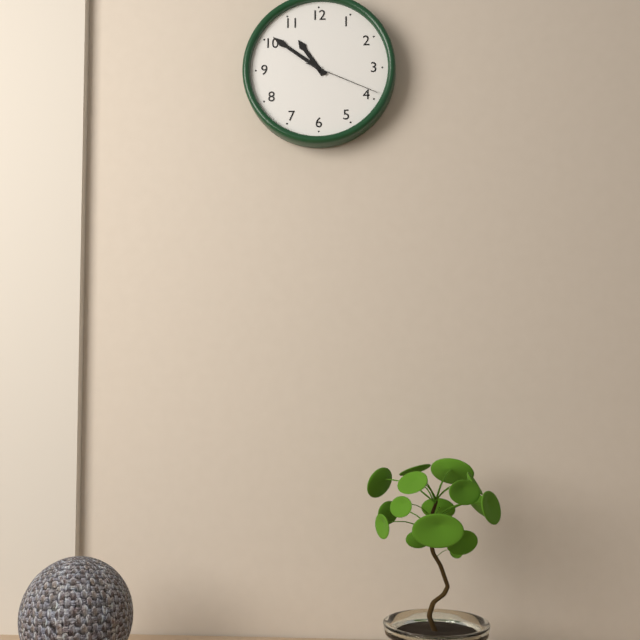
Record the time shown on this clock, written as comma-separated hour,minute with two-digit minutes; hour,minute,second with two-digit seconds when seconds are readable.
10,51,19
